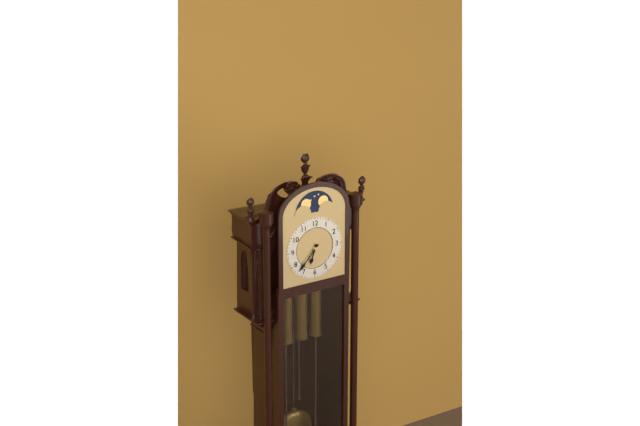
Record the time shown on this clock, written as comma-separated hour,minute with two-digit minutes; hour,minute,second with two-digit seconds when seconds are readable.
6,37
